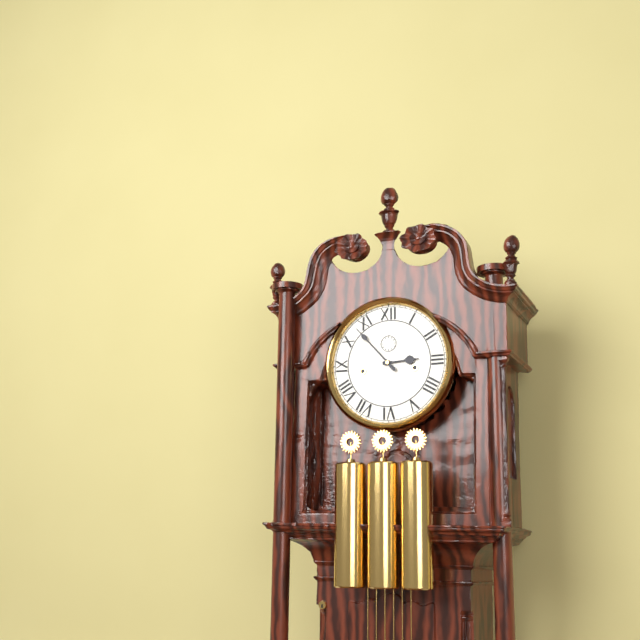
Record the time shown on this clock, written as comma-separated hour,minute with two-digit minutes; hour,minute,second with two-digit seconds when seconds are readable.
2,53
